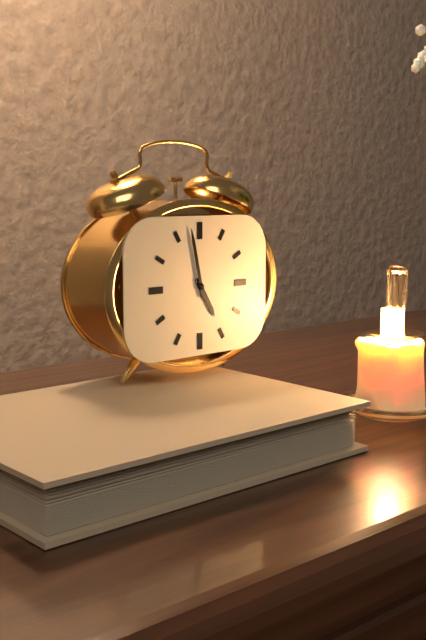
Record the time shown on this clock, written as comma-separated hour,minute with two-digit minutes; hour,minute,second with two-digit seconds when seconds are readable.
4,58
